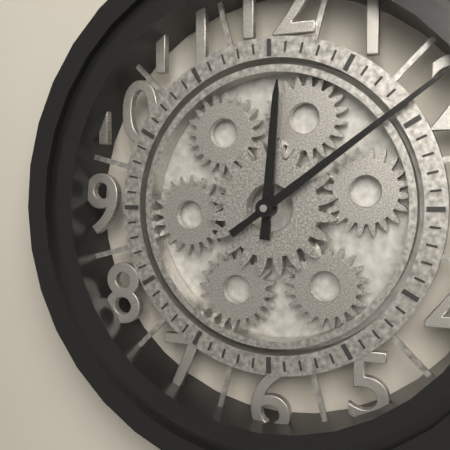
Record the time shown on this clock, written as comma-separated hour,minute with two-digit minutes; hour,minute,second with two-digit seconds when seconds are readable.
12,09
